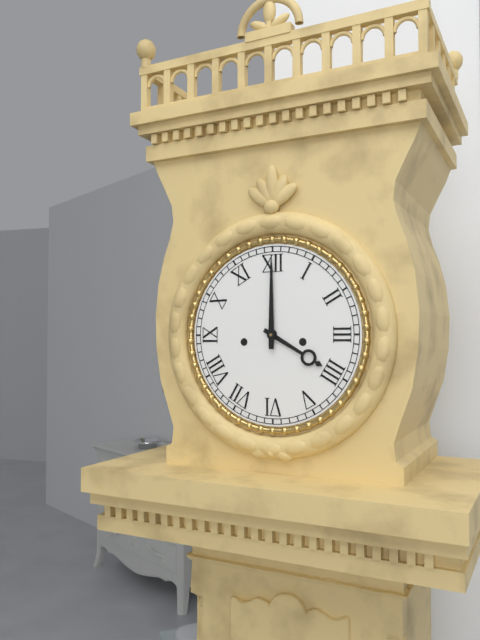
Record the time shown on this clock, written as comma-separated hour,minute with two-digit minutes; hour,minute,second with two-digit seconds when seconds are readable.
4,00
